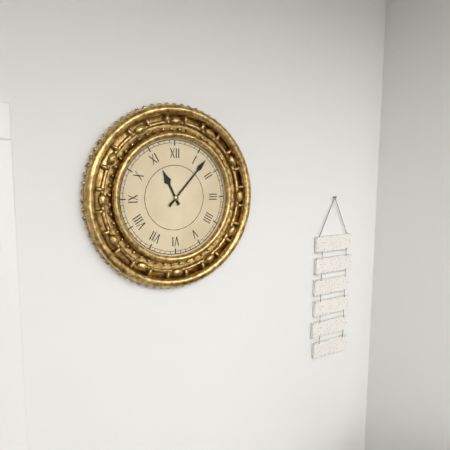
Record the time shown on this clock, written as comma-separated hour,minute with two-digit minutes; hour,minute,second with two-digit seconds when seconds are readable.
11,07
